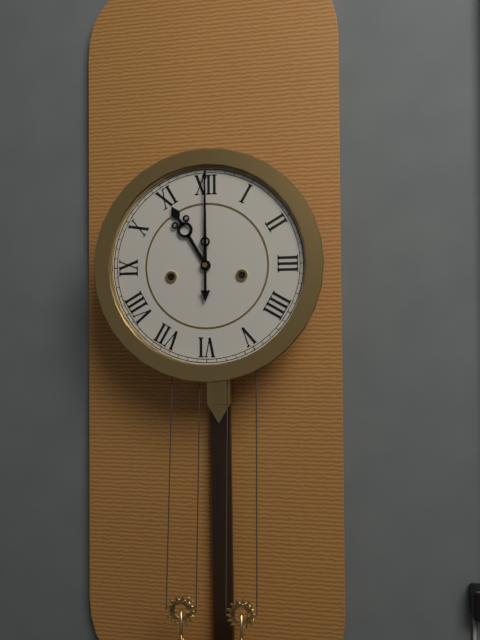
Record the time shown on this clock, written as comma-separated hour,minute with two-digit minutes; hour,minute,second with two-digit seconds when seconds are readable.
11,00
